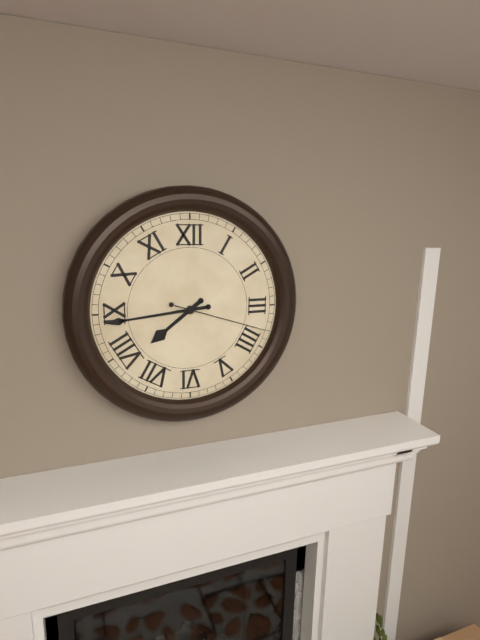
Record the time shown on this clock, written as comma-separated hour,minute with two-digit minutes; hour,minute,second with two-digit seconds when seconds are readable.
7,44,18
